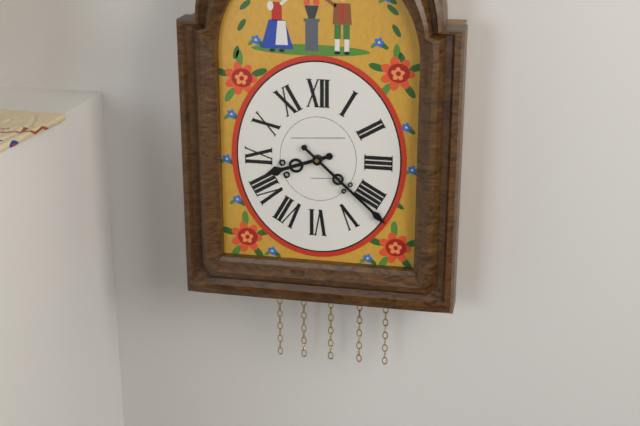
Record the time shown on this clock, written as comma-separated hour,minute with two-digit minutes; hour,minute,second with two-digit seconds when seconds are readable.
8,22
